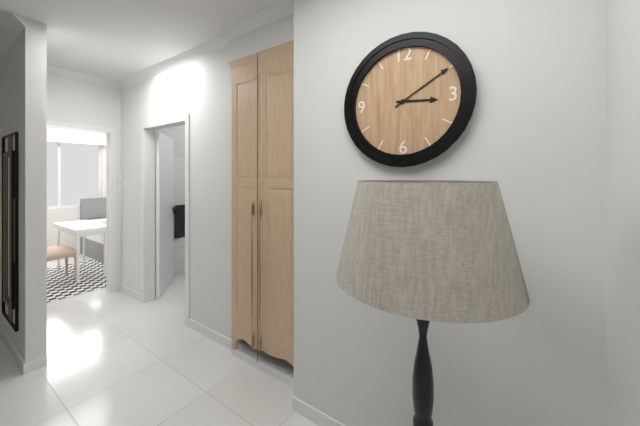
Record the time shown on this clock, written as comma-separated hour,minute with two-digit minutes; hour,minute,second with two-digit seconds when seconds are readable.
3,10
